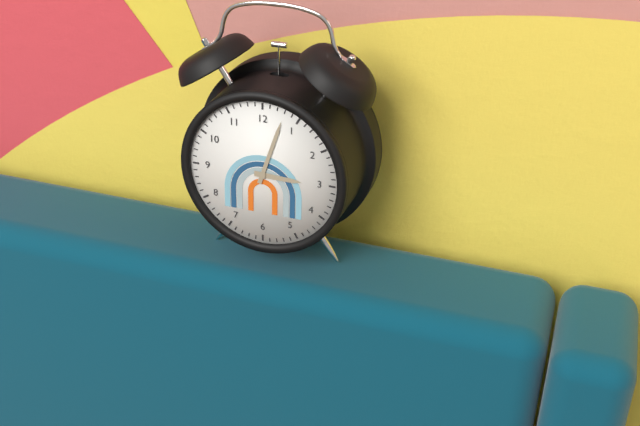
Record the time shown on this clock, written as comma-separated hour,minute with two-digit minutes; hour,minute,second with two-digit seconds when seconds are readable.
3,03
